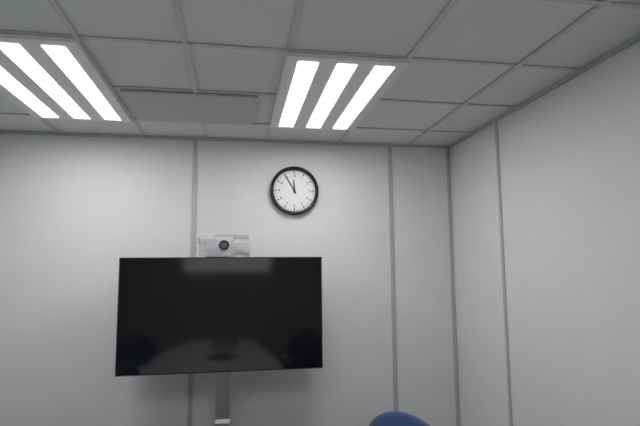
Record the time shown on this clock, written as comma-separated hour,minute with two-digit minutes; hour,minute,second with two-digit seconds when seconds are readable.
11,55
